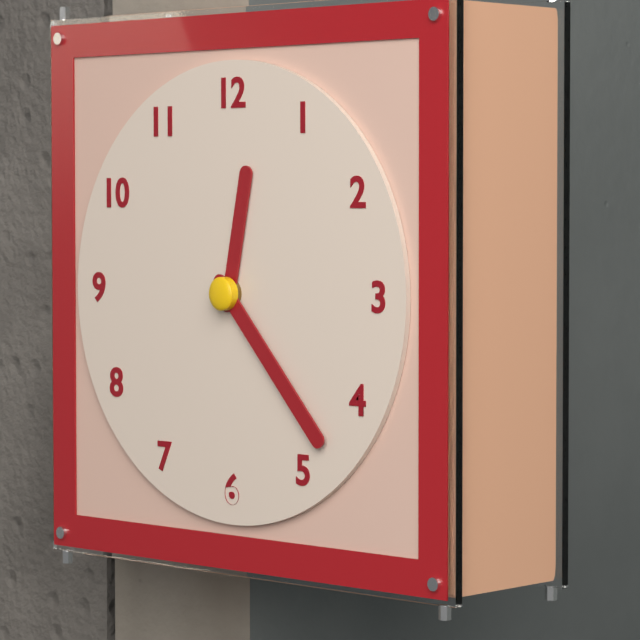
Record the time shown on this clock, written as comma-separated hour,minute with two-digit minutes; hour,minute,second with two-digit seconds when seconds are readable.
12,23
